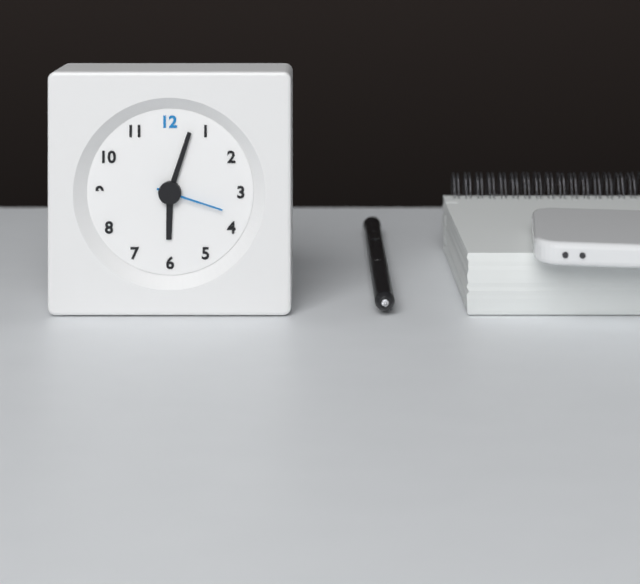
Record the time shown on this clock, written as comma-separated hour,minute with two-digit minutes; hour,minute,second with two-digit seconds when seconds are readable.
6,03,18
